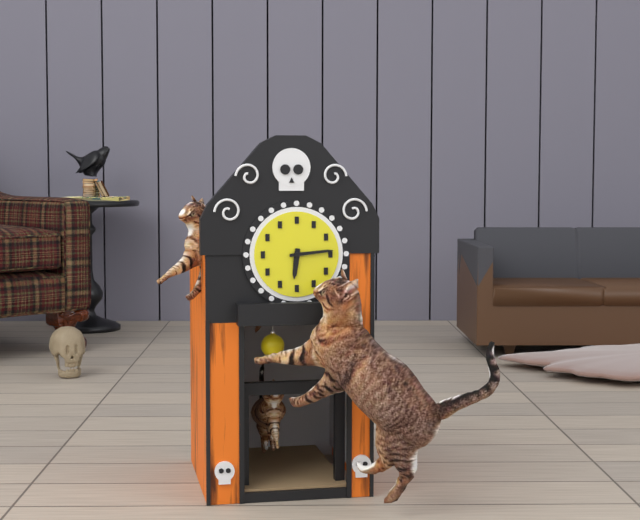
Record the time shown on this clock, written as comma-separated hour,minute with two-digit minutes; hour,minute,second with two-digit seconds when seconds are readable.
6,14
